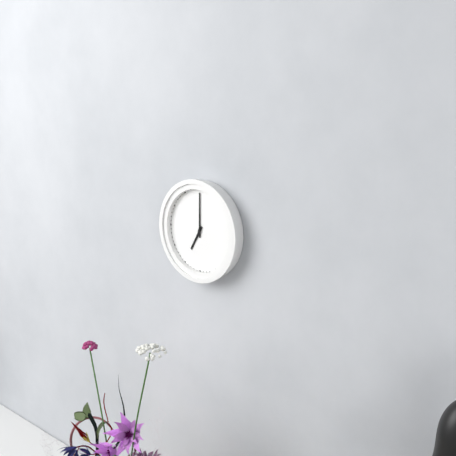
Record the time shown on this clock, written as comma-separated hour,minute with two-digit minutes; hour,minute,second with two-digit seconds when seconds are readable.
7,00
